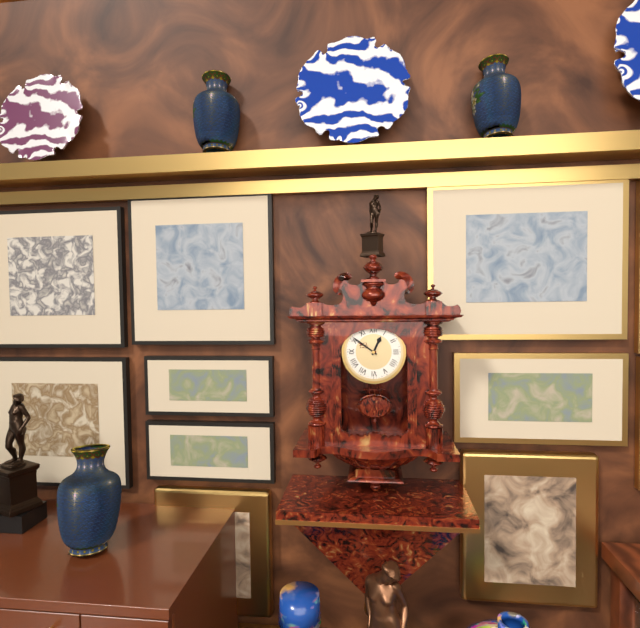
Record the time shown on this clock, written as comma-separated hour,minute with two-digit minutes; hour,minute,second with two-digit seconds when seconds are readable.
12,51
